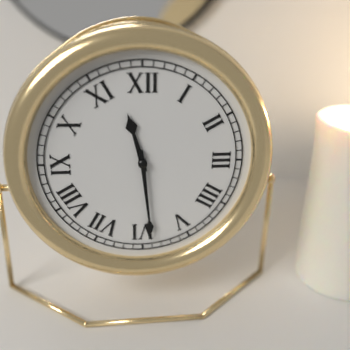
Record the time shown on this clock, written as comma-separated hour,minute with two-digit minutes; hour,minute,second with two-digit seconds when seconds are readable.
11,29
